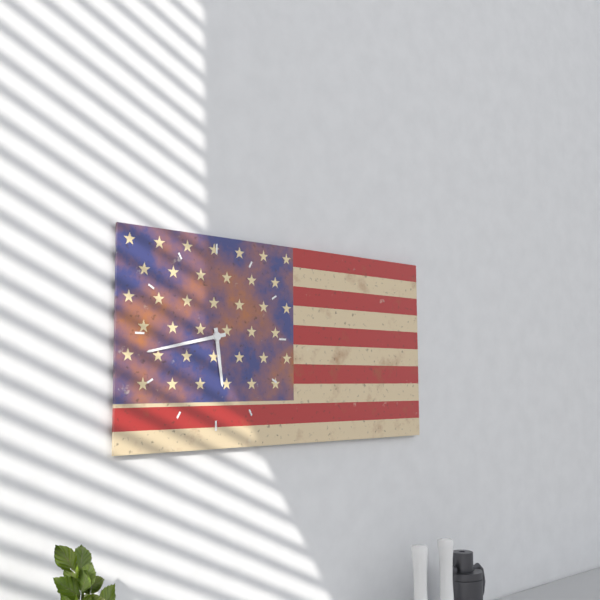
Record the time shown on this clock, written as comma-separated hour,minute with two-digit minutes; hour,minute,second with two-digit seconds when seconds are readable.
5,43
